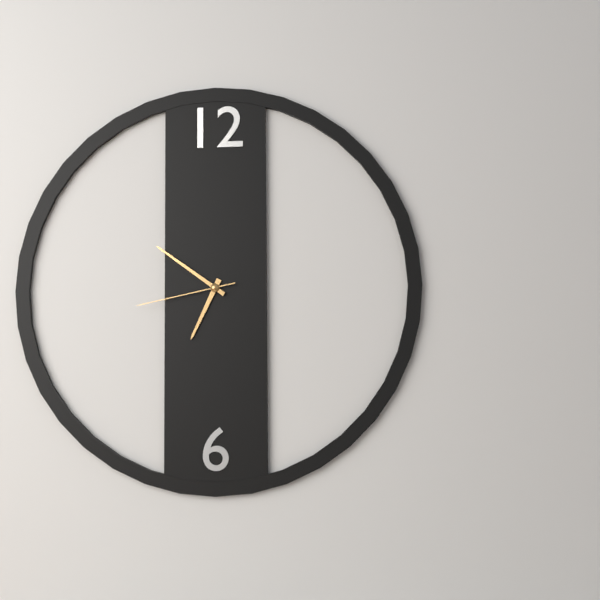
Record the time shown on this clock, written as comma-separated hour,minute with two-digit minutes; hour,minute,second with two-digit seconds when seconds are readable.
6,51,43
